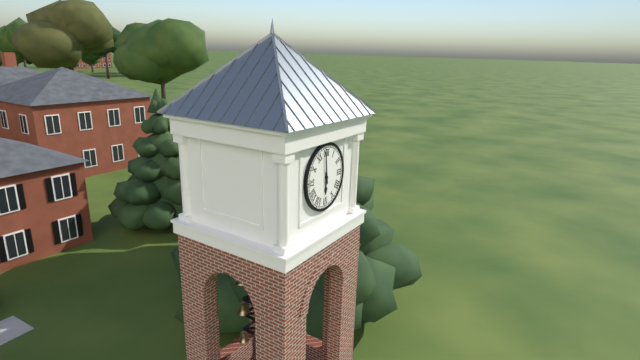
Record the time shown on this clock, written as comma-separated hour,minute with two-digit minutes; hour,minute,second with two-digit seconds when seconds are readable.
5,59
